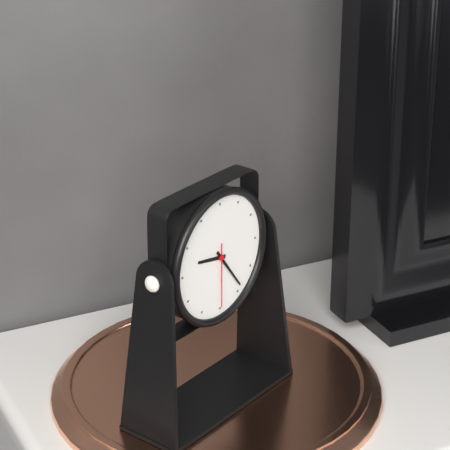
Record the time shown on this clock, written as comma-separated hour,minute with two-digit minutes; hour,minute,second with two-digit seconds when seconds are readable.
9,24,30
